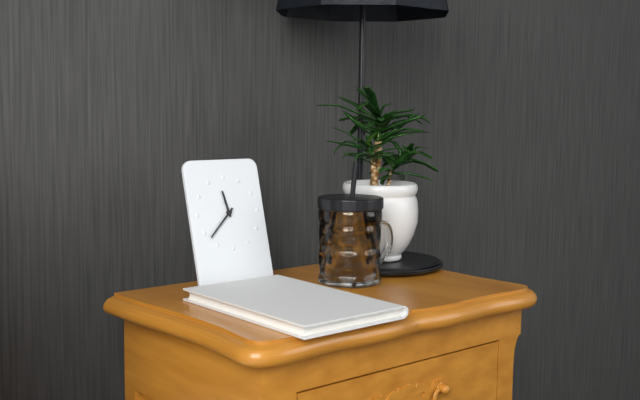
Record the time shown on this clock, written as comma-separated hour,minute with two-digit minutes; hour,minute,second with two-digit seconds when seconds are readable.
11,38
